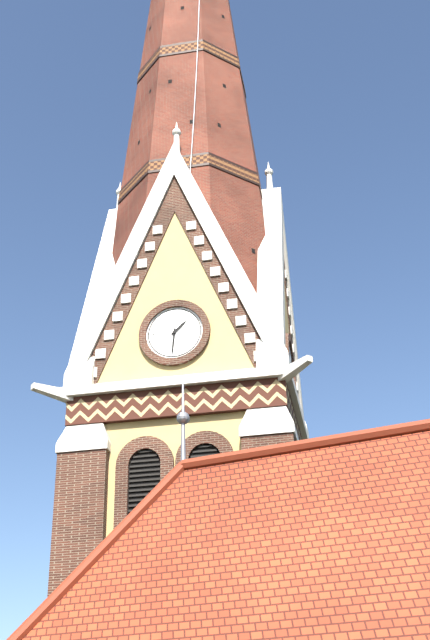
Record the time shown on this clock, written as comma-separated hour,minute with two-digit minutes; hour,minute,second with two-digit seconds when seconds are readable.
1,31
